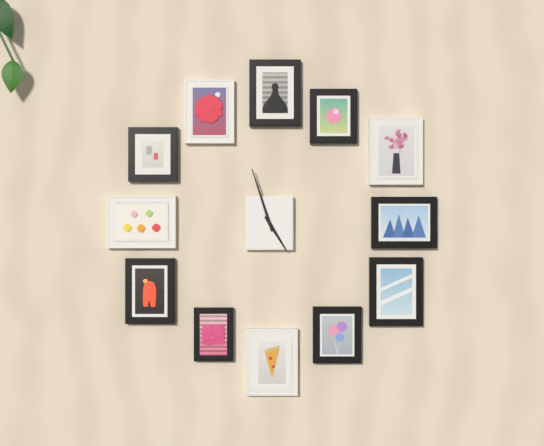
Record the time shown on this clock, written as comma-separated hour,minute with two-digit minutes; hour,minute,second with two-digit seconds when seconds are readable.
4,57
